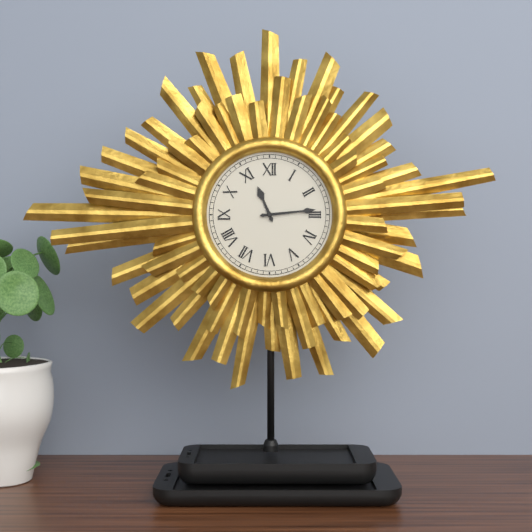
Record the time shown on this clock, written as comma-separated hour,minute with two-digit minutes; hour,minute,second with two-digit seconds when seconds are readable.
11,14
